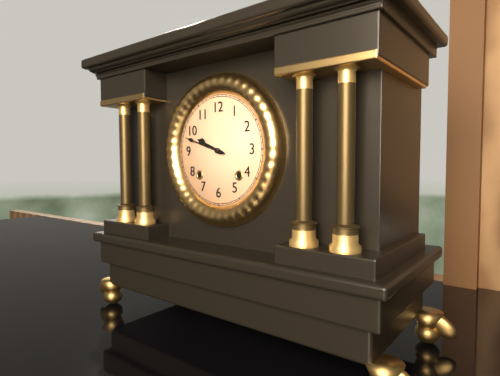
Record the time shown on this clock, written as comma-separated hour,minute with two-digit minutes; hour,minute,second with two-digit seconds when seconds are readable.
9,48
